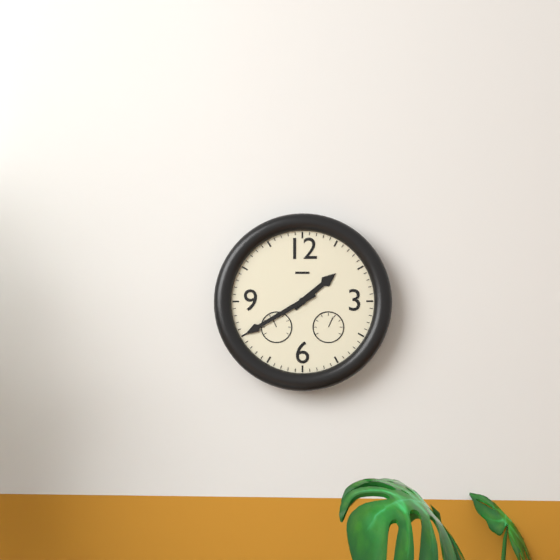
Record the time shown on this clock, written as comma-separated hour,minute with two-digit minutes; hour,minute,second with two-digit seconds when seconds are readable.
1,40
